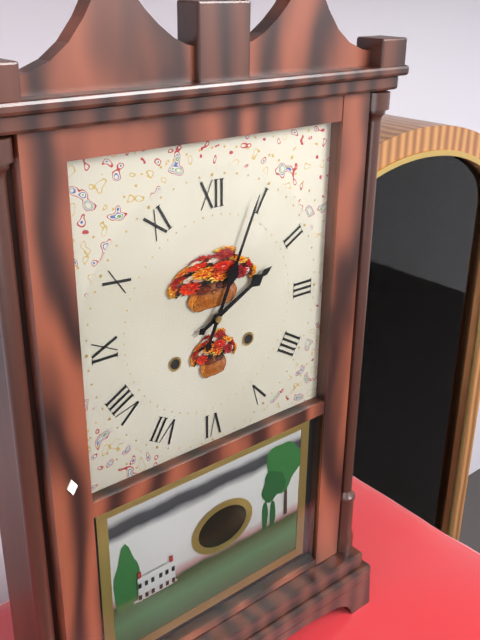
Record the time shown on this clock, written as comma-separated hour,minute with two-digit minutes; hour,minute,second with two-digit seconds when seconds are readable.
2,04
